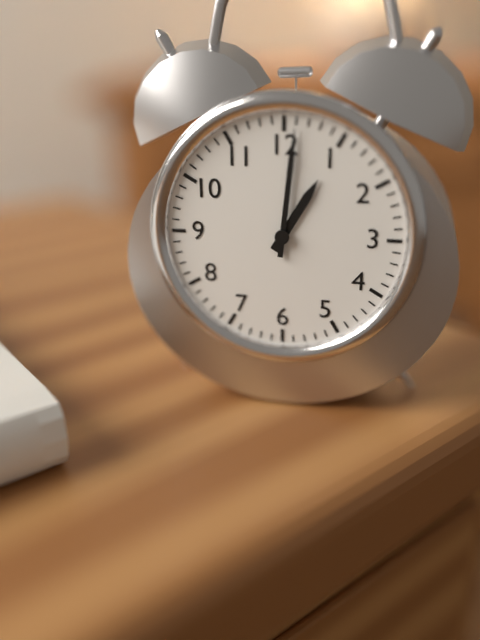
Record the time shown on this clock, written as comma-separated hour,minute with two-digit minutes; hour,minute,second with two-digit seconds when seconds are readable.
1,01
